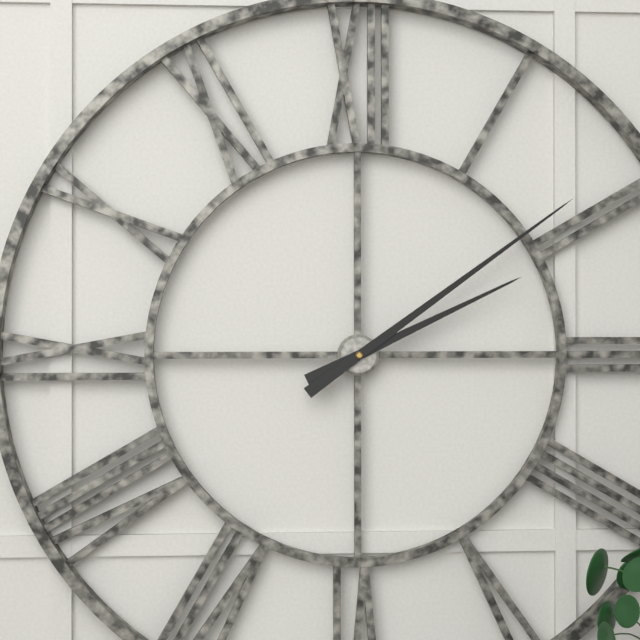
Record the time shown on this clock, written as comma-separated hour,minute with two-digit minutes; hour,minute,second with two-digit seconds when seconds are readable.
2,09
